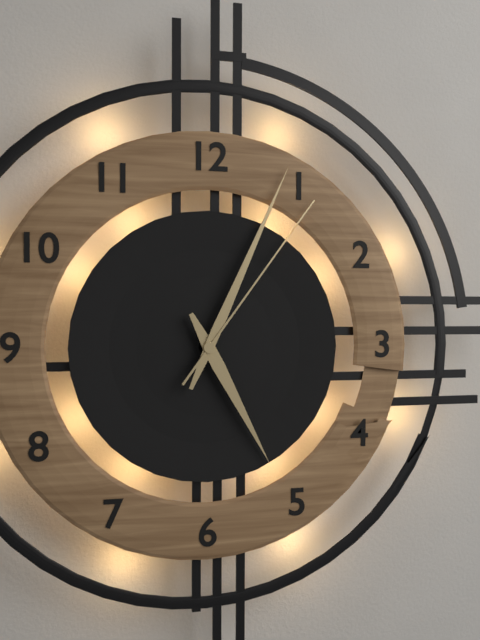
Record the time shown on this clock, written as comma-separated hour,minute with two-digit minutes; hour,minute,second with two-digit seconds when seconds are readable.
5,04,06
